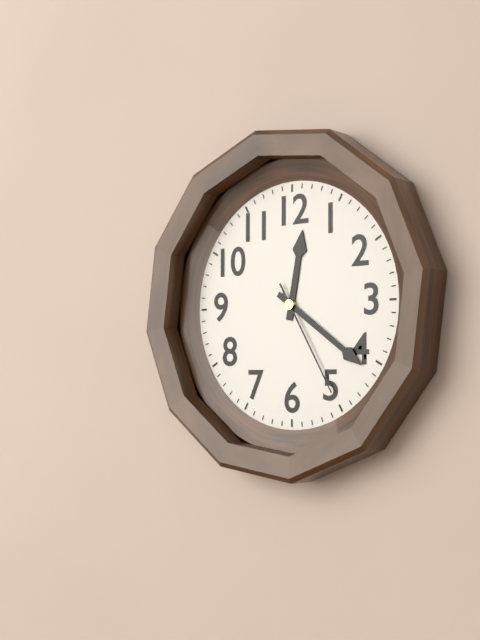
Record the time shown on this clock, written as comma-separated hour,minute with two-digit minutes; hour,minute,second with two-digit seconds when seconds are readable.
12,21,25
